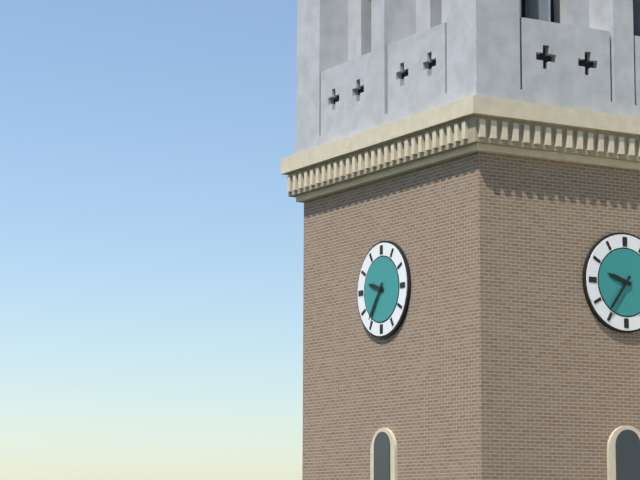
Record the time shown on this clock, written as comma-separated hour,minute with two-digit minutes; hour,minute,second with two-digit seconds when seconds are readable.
9,36
